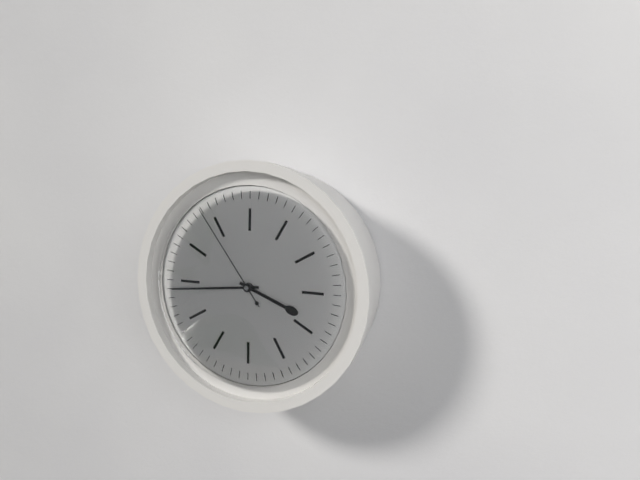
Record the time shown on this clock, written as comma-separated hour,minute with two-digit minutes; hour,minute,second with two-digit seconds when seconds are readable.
3,44,54
